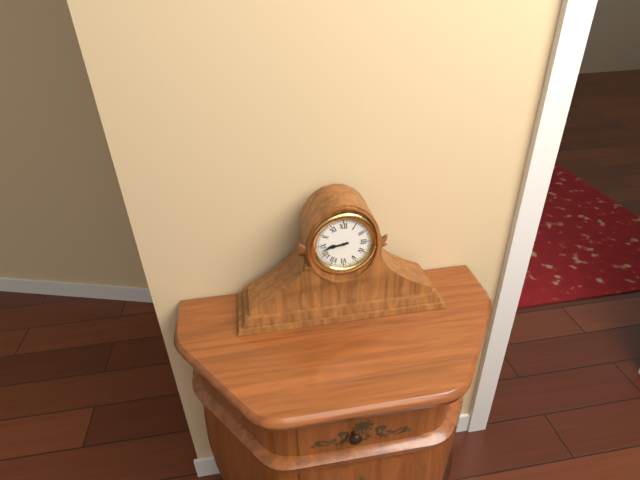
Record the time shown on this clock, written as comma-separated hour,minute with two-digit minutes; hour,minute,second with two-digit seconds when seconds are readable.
8,43
